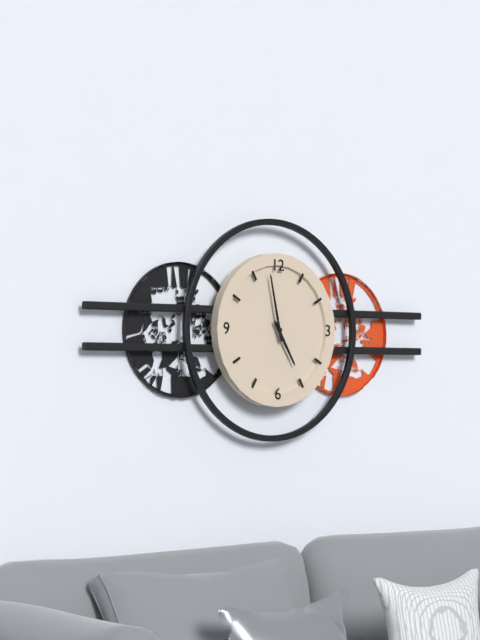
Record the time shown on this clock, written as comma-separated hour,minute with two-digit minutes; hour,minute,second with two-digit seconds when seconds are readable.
4,58
